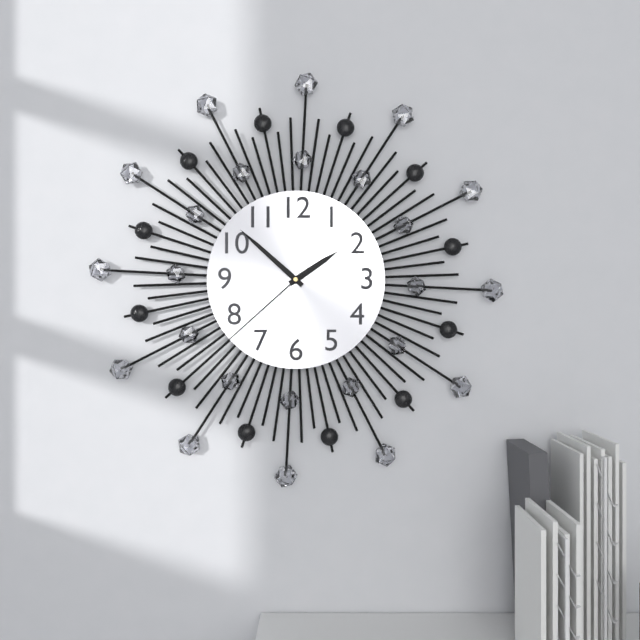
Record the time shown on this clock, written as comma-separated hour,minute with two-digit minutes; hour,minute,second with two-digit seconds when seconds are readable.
1,52,38
